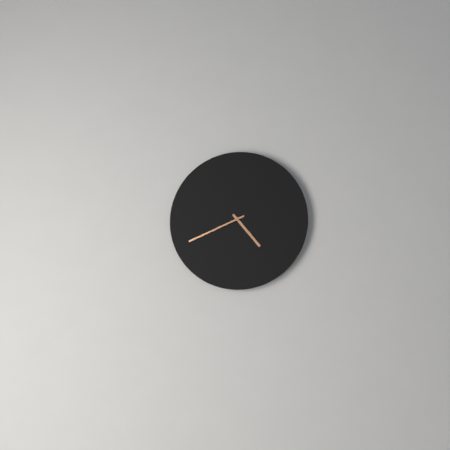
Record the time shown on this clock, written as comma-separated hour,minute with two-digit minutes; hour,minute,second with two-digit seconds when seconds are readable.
4,41
